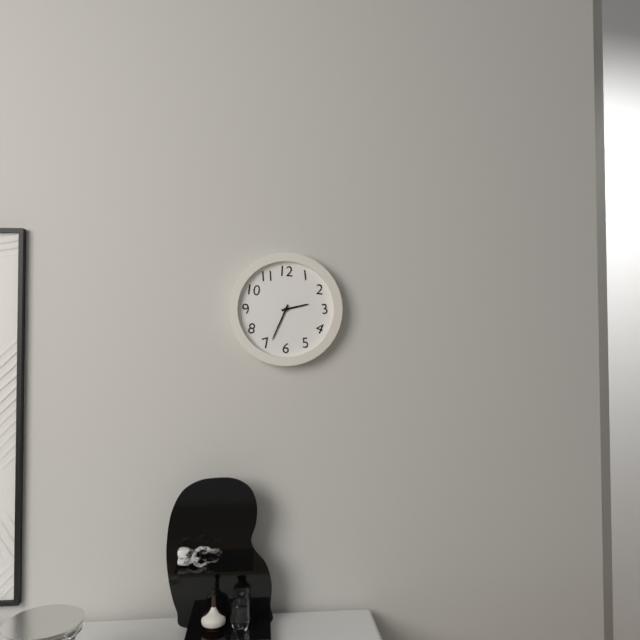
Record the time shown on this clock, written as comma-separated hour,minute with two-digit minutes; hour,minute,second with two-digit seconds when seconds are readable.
2,34
